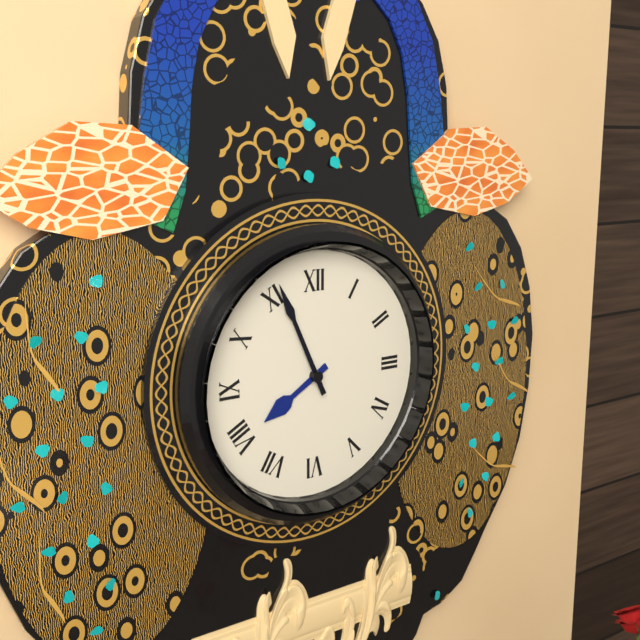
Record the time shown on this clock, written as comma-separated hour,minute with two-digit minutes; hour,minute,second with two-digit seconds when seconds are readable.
7,56
